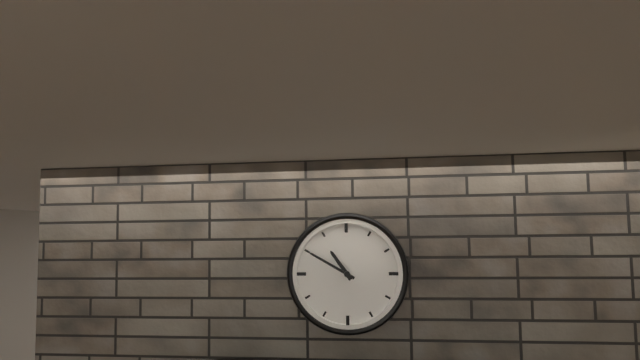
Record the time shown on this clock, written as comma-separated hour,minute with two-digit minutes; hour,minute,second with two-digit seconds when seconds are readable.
10,50
